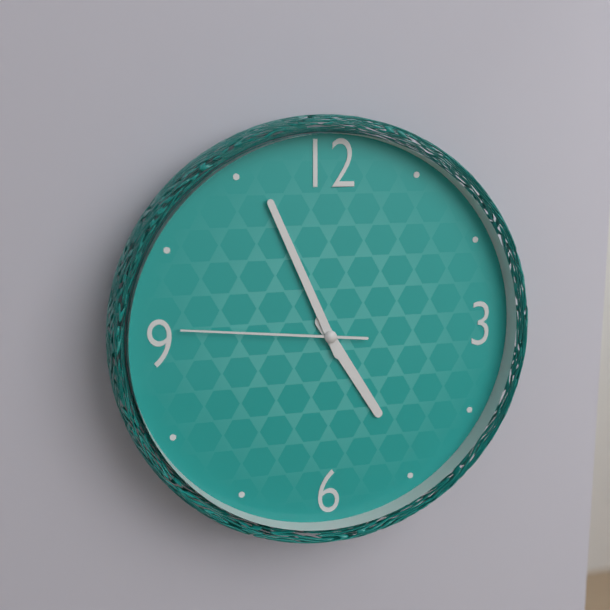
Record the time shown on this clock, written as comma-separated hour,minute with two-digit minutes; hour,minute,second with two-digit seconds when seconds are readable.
4,56,46
